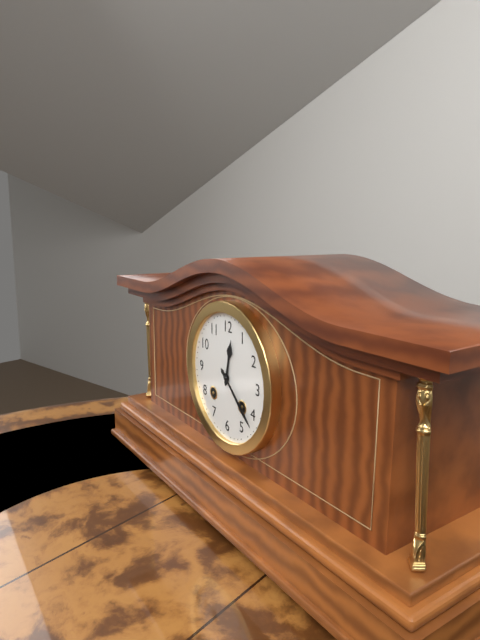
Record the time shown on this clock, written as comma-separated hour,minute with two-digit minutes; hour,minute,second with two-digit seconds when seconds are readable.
12,22
